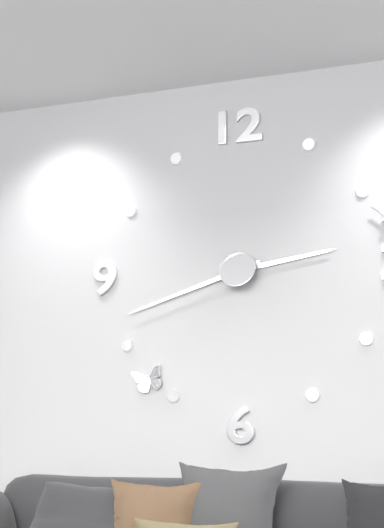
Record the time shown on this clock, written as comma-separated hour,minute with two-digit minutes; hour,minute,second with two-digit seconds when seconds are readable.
2,42
